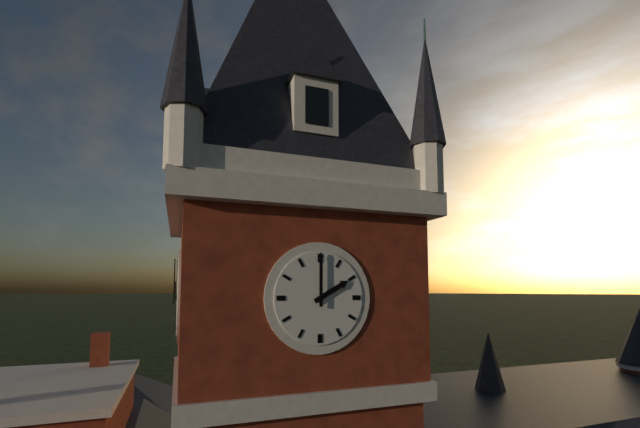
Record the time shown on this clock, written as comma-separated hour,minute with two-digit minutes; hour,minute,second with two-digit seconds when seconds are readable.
2,00
